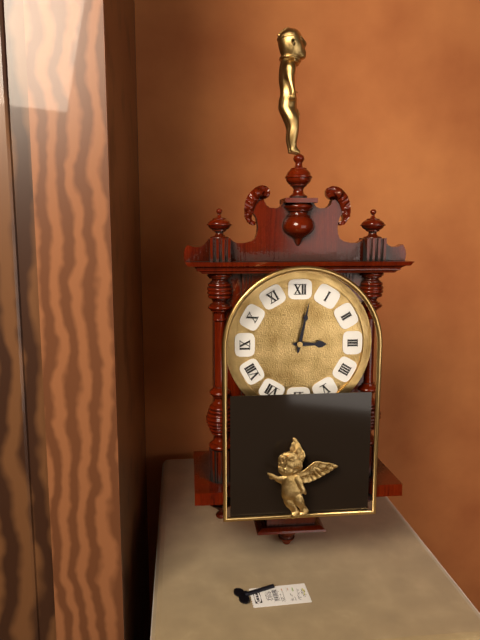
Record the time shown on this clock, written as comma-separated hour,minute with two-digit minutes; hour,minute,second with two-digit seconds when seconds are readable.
3,02
